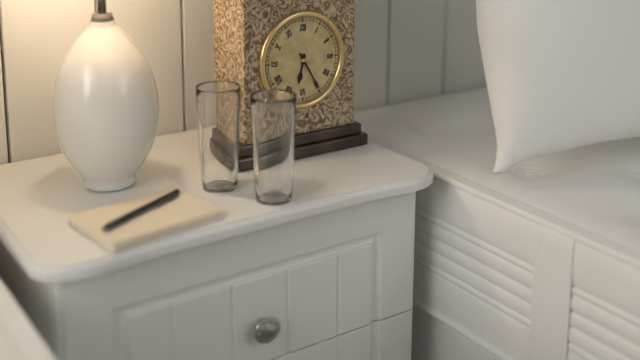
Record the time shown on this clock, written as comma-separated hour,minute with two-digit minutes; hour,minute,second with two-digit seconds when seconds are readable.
6,25
